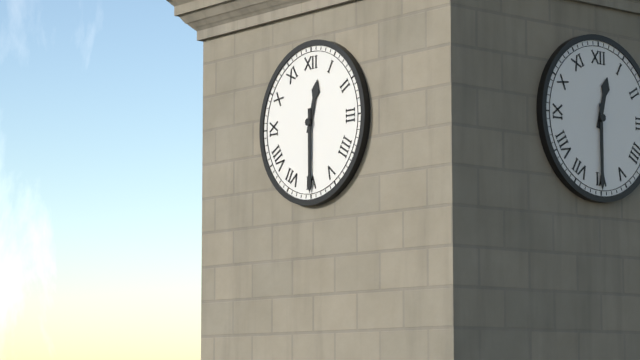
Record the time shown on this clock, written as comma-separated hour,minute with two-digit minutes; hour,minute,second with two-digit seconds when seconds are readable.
12,30
